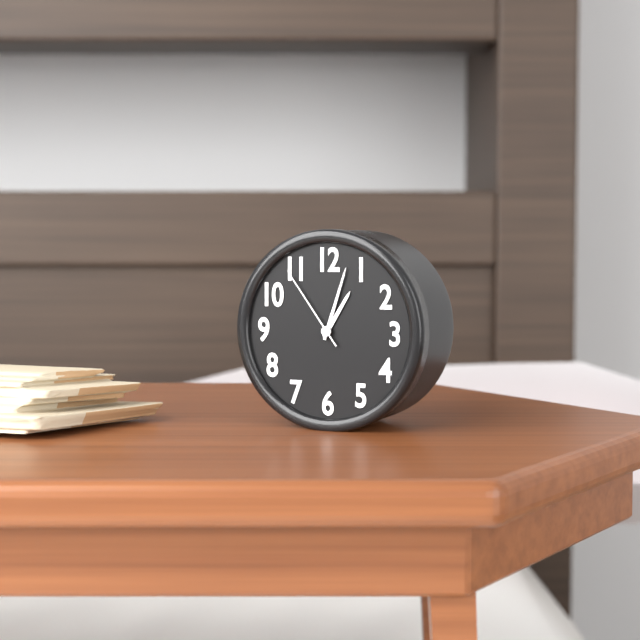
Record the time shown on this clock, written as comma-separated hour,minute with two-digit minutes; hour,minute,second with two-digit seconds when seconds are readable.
1,03,54
